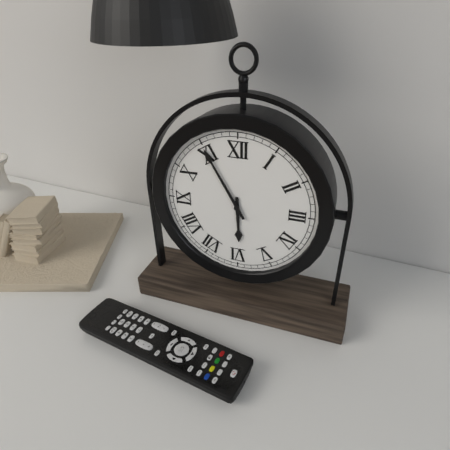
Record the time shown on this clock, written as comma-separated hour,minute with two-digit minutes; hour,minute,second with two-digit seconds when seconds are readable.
5,55
